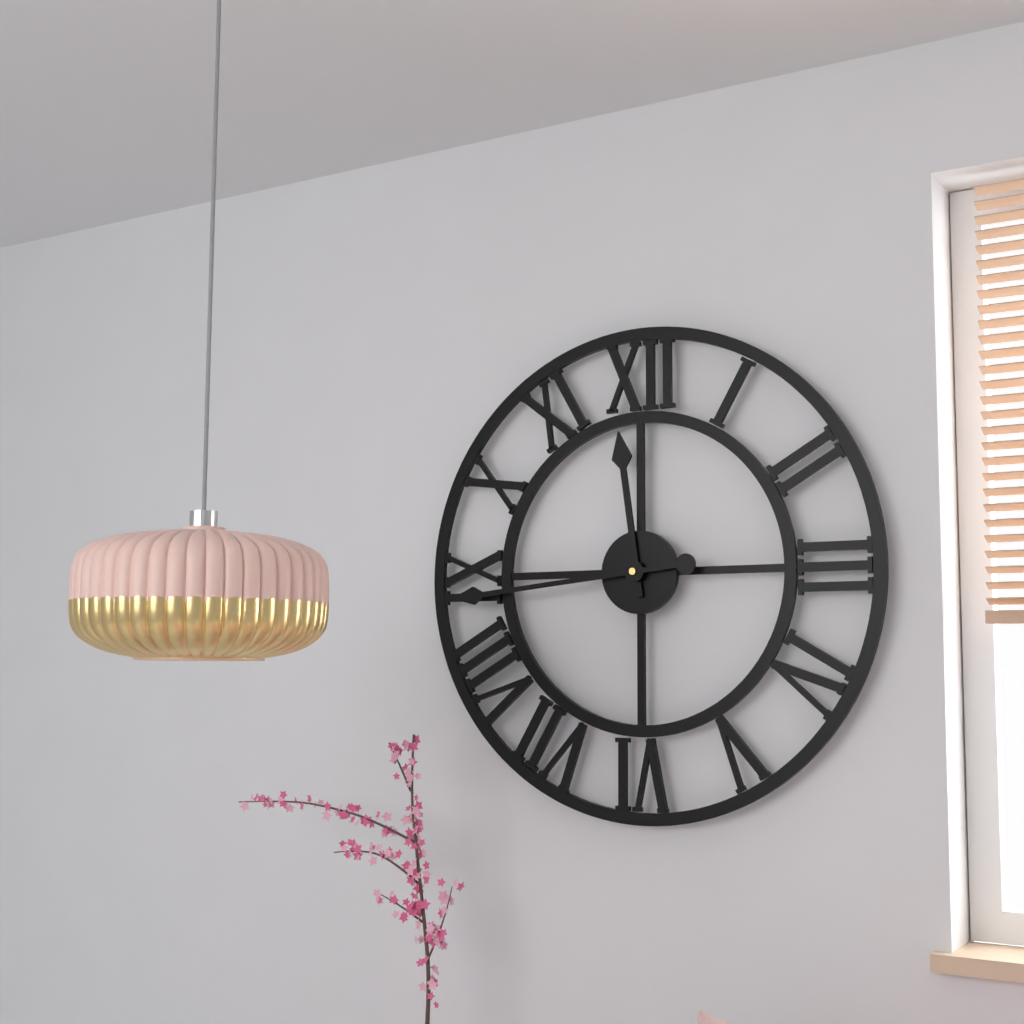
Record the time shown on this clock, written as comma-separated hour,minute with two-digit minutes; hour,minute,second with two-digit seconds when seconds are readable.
11,44
